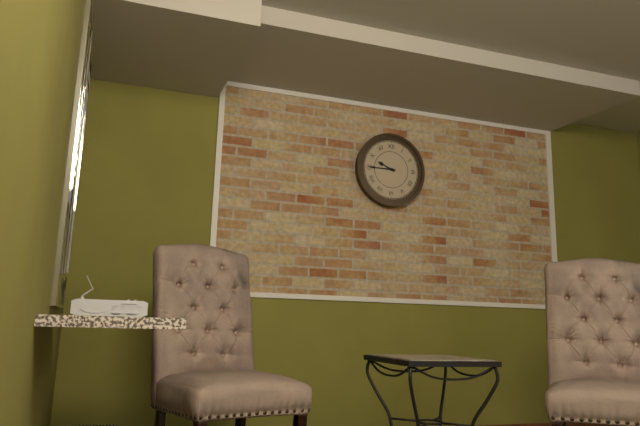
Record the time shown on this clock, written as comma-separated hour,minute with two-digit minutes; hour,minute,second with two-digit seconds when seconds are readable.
9,45
